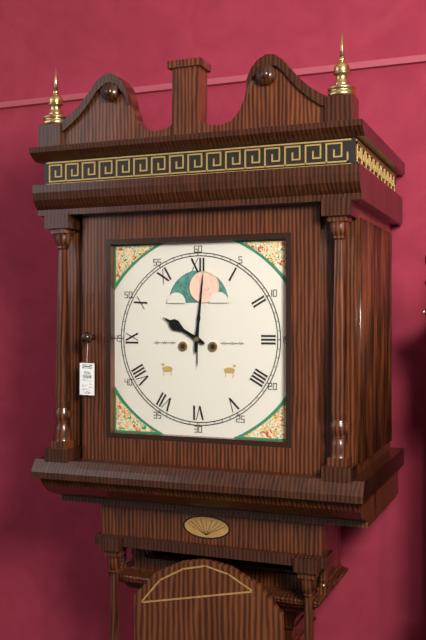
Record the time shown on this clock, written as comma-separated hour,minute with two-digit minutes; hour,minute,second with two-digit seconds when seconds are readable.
10,01
